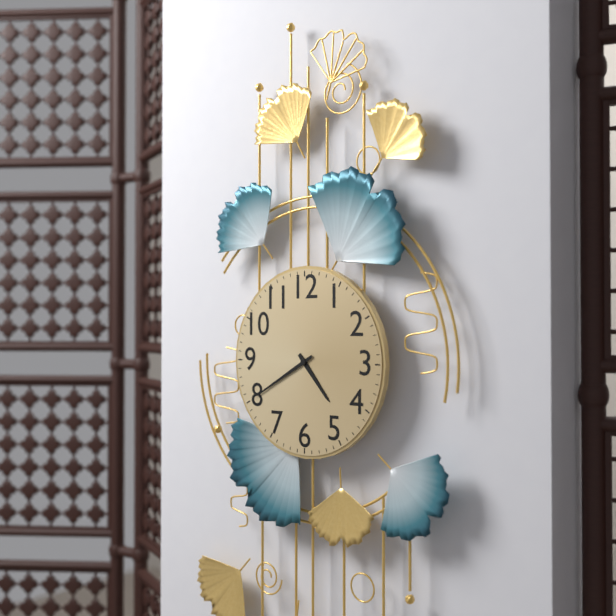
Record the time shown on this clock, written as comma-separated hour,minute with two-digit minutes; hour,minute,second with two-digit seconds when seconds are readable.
4,40
